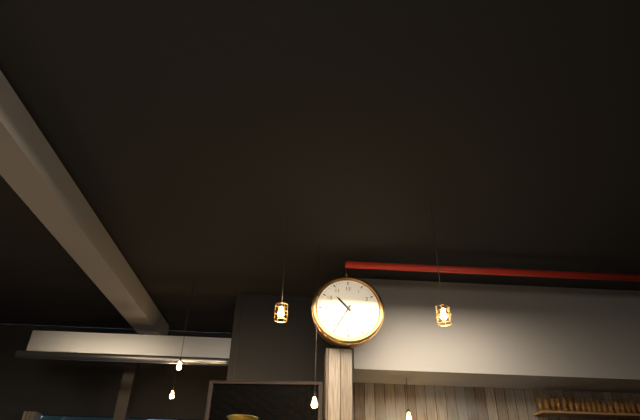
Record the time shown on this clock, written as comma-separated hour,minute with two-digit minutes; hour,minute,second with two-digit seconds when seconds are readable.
10,35
